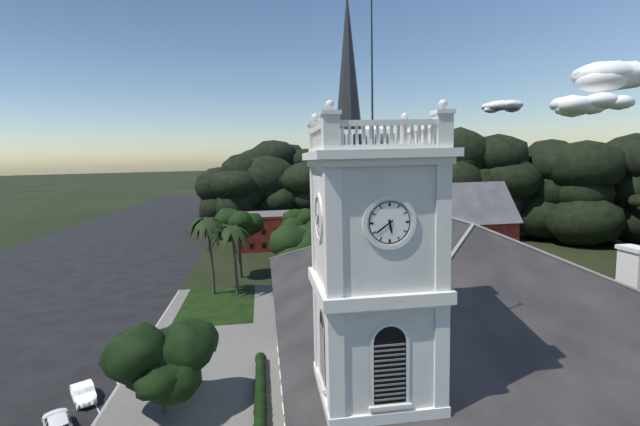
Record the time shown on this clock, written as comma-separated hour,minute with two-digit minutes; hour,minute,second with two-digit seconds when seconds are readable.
5,39
